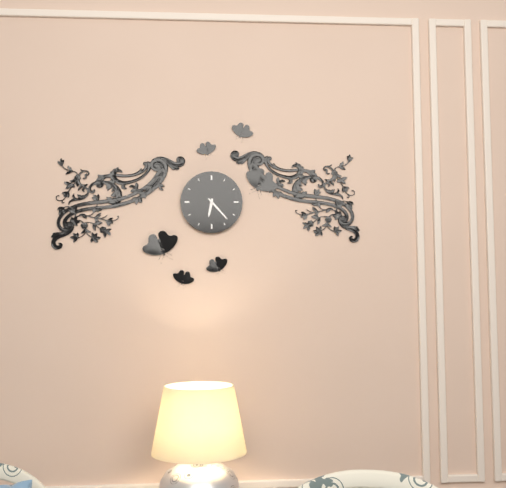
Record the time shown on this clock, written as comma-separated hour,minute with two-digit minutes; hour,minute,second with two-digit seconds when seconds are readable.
6,23
